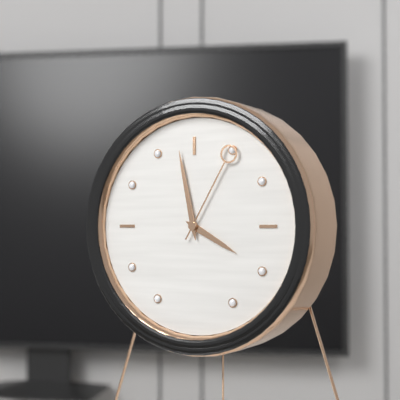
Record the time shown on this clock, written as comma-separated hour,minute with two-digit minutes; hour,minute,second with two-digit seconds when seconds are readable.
3,58,05
